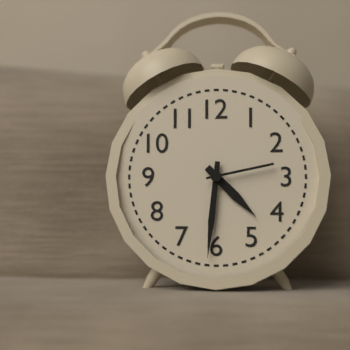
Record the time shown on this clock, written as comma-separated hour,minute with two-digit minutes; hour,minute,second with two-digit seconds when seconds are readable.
4,31,13
